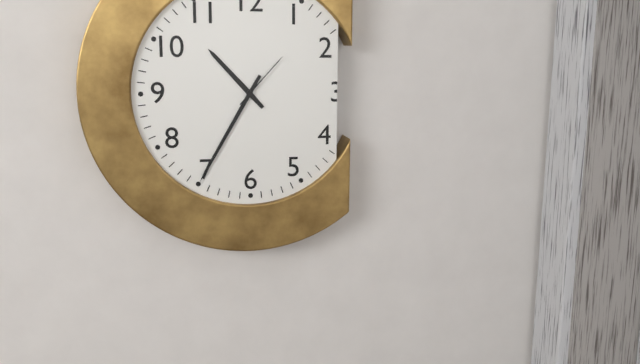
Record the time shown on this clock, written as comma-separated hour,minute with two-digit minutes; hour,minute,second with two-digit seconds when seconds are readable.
10,35,07
